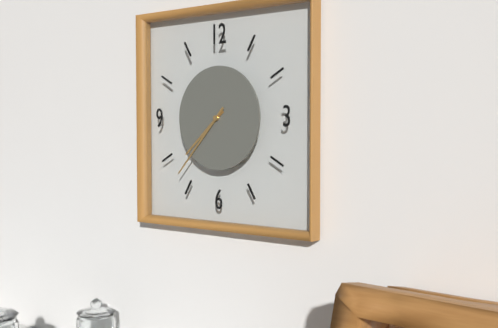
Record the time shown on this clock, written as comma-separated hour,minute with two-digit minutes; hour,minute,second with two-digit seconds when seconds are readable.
7,37
